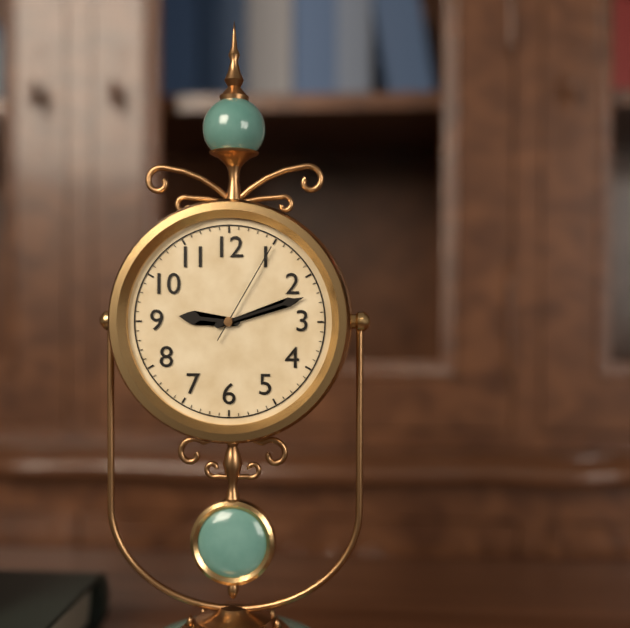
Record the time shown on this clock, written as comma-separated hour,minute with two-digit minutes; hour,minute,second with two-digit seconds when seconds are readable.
9,12,05
